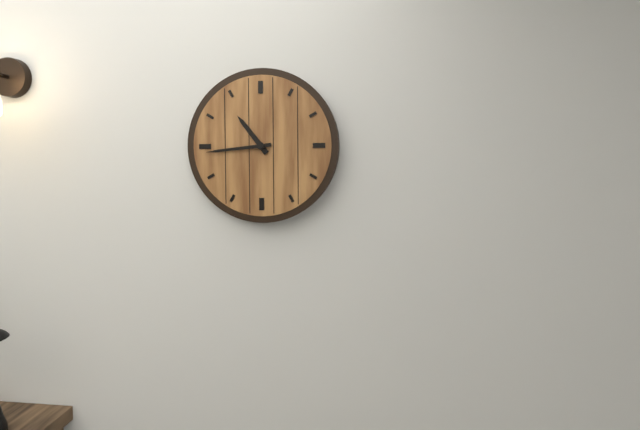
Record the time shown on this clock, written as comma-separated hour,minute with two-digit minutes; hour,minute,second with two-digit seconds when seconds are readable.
10,44
